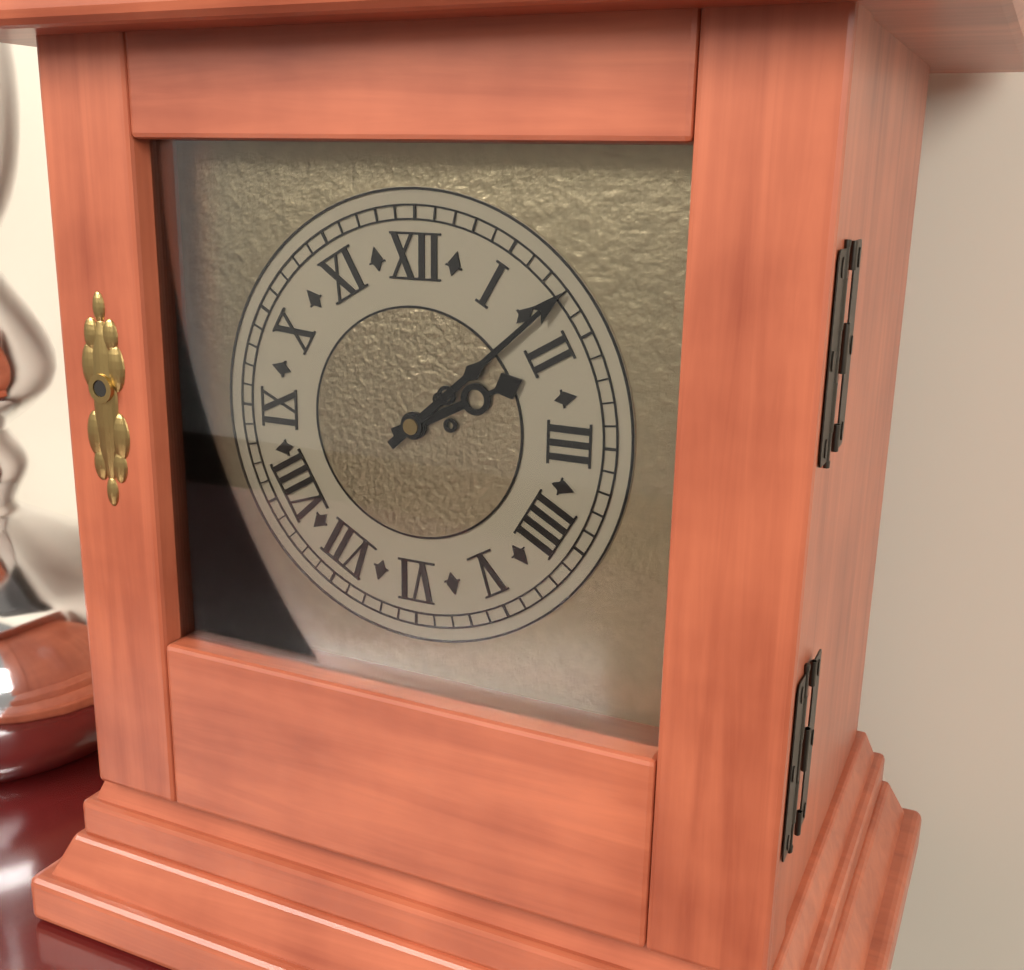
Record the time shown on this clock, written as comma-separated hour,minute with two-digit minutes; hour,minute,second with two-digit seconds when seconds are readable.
2,08
